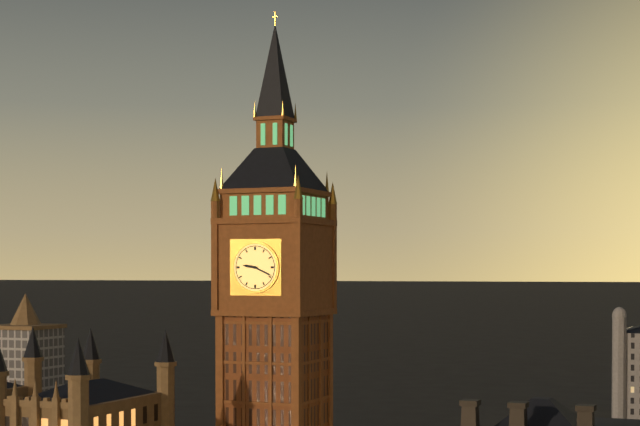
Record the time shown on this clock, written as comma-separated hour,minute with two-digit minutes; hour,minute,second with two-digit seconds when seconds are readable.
9,19
